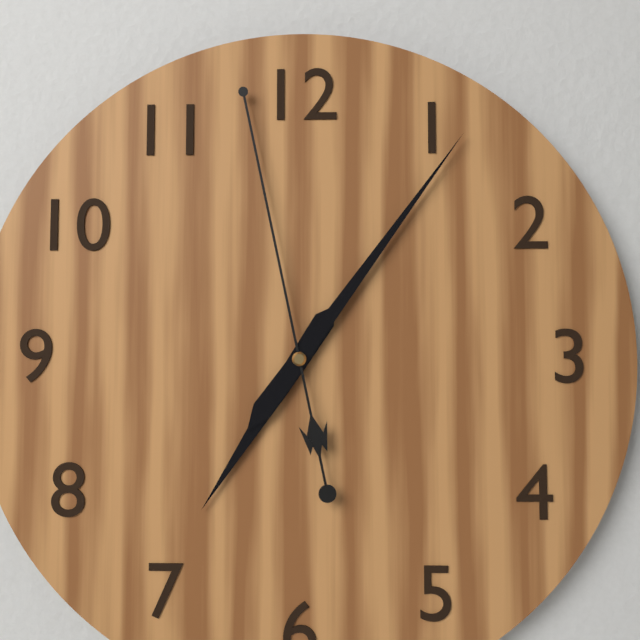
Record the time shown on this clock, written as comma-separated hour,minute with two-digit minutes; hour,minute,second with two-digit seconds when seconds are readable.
7,06,58
